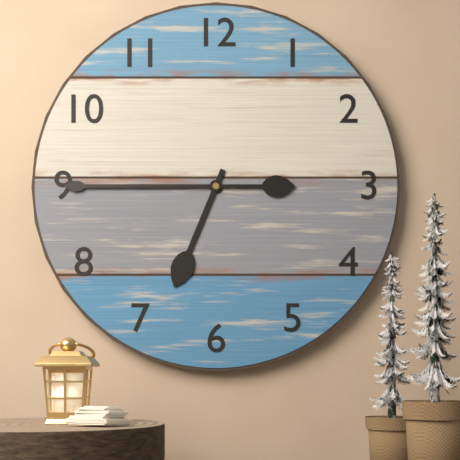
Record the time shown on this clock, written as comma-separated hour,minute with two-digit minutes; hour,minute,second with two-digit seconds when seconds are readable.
6,45
